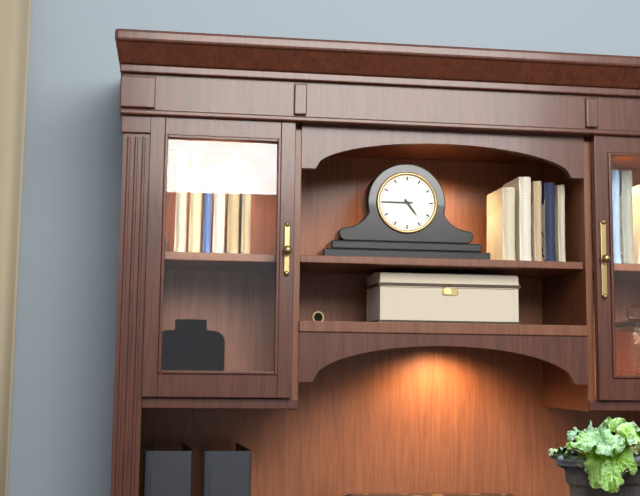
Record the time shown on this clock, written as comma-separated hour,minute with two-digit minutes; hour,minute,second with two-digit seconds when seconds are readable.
4,45
